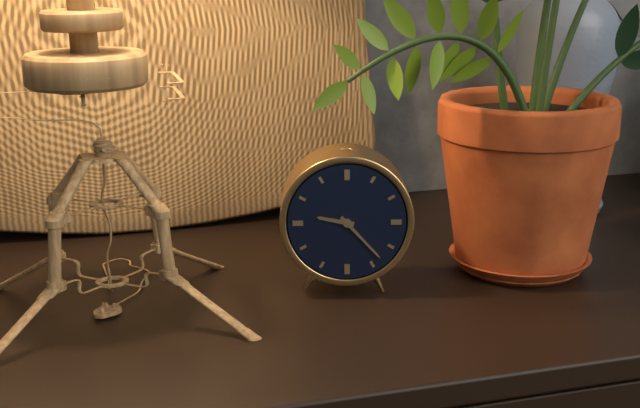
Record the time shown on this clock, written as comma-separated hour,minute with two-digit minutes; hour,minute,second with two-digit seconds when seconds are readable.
9,23
